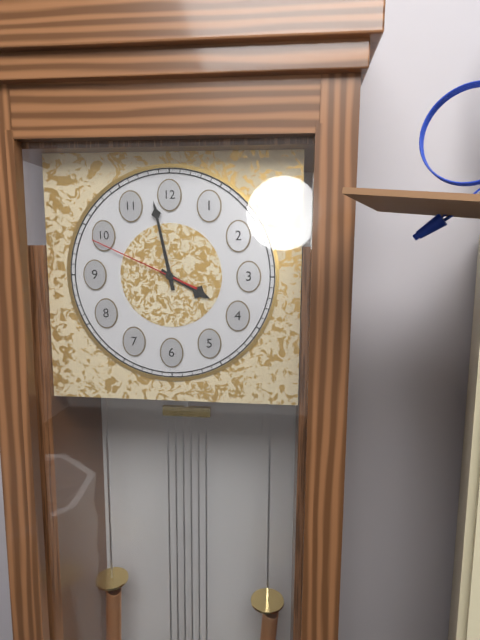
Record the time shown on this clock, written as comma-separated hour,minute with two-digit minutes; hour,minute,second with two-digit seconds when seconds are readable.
3,58,49
